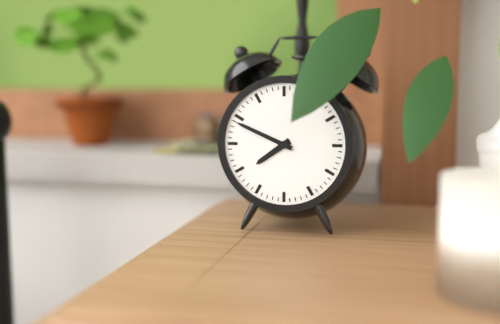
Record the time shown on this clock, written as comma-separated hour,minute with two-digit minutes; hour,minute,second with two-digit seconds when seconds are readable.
7,49
